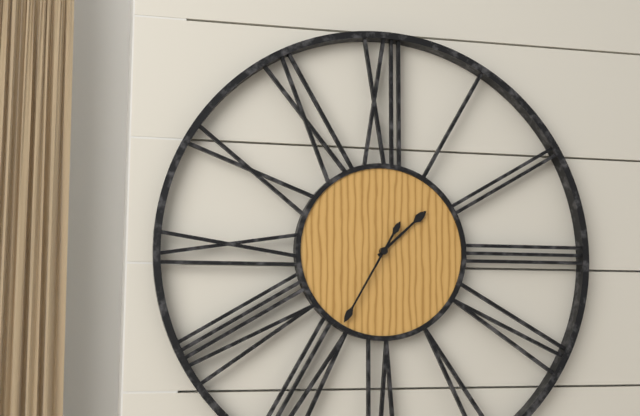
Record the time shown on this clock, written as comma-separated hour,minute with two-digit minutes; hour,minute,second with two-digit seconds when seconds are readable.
1,35
